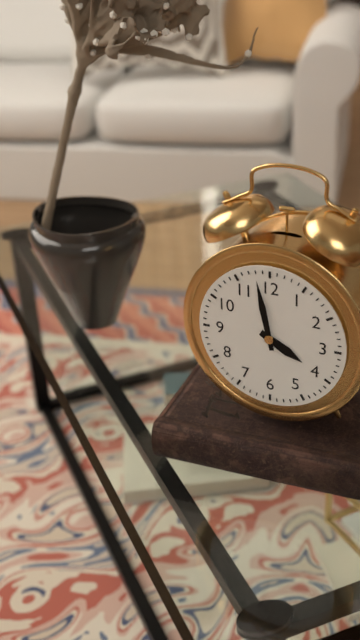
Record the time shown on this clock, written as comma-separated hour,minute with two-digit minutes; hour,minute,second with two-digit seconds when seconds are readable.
3,58
